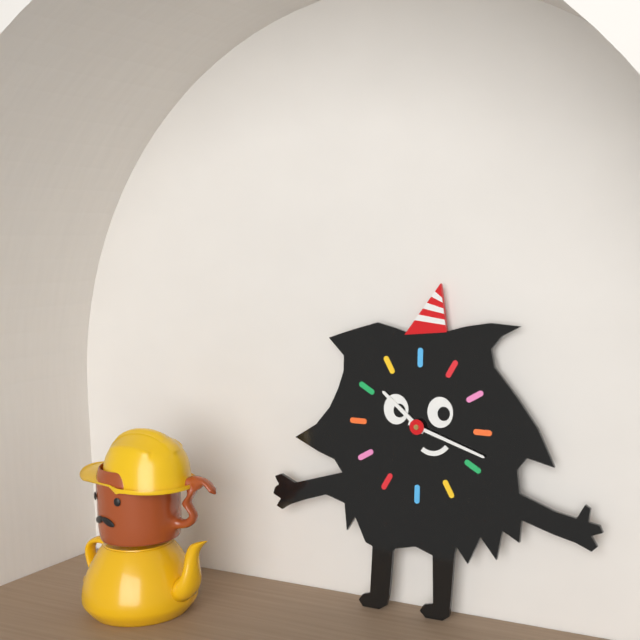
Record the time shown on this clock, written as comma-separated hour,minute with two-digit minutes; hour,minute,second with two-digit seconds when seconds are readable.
10,18
